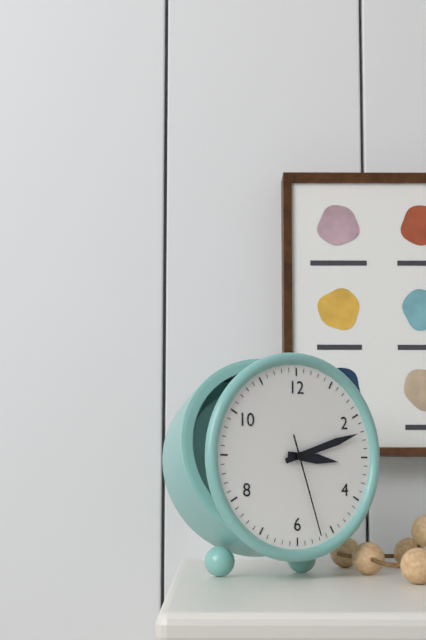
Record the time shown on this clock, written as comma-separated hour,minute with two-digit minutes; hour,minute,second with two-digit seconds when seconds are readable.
3,12,27
